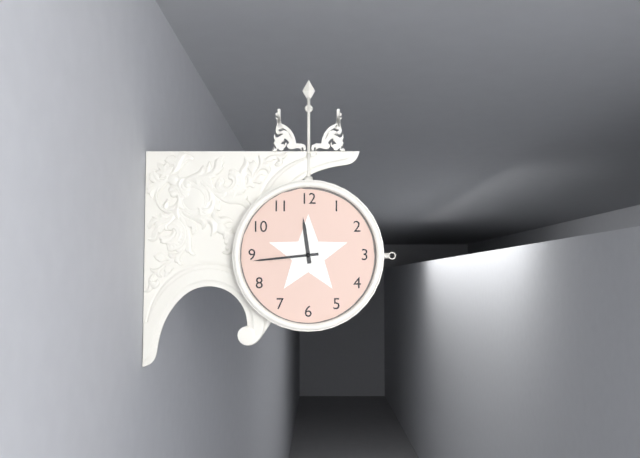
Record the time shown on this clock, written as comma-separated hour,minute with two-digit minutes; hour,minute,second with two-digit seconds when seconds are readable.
11,44
